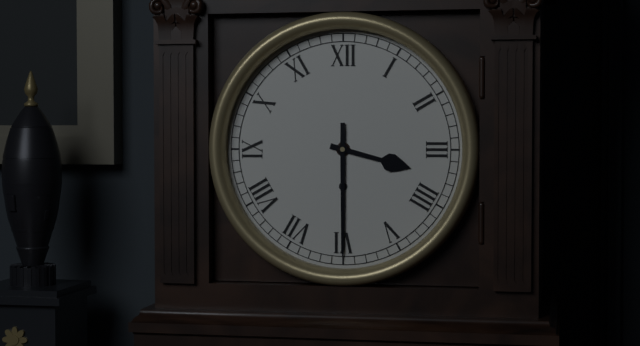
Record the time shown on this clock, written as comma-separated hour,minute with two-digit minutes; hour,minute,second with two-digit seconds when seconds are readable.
3,30
